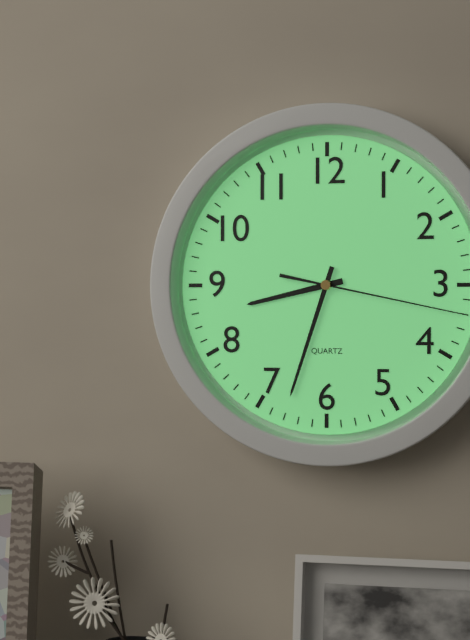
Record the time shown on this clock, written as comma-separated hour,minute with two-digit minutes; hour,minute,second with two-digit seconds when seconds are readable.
8,33,17
